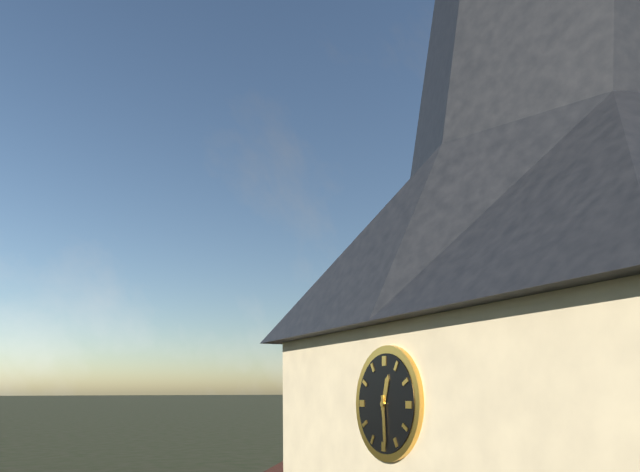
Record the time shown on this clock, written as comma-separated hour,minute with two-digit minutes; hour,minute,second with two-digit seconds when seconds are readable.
12,29
